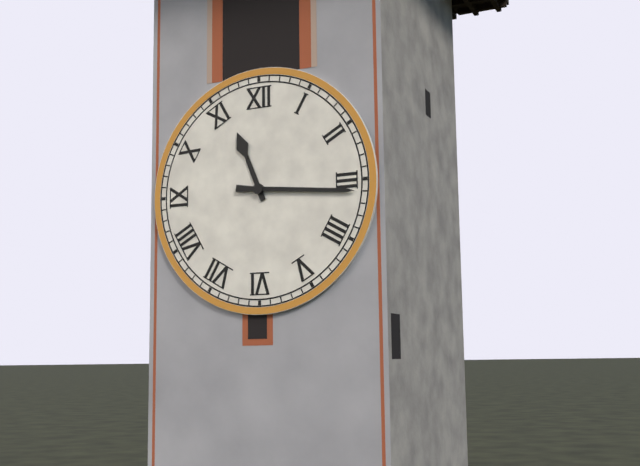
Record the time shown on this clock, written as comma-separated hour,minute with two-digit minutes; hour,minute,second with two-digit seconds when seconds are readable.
11,16
